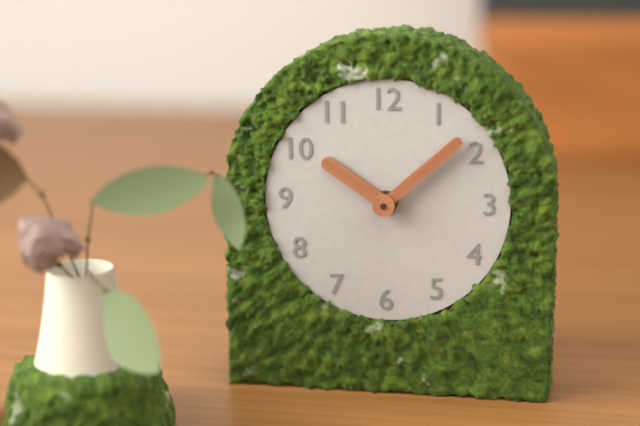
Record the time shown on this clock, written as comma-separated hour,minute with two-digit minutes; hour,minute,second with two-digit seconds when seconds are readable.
10,08
